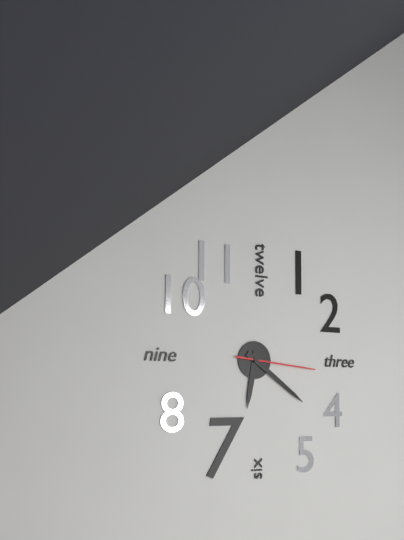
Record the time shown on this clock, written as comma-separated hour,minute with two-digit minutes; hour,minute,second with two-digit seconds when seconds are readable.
6,21,16
